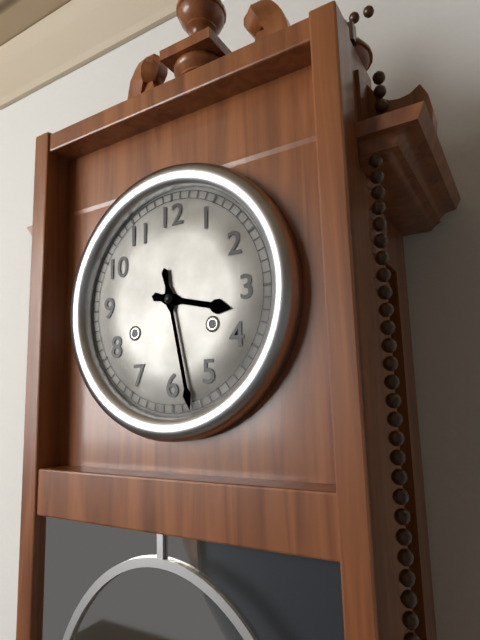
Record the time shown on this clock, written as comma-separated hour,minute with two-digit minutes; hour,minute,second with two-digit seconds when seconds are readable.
3,28
